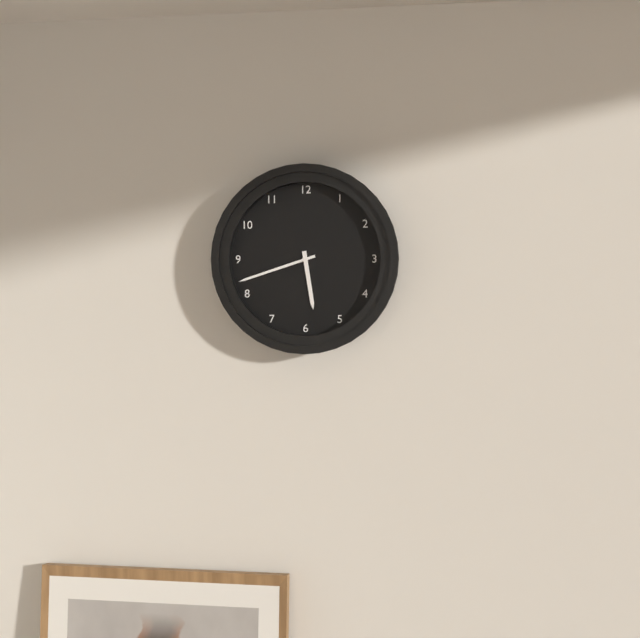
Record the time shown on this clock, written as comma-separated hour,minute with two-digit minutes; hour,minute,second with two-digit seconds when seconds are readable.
5,42
